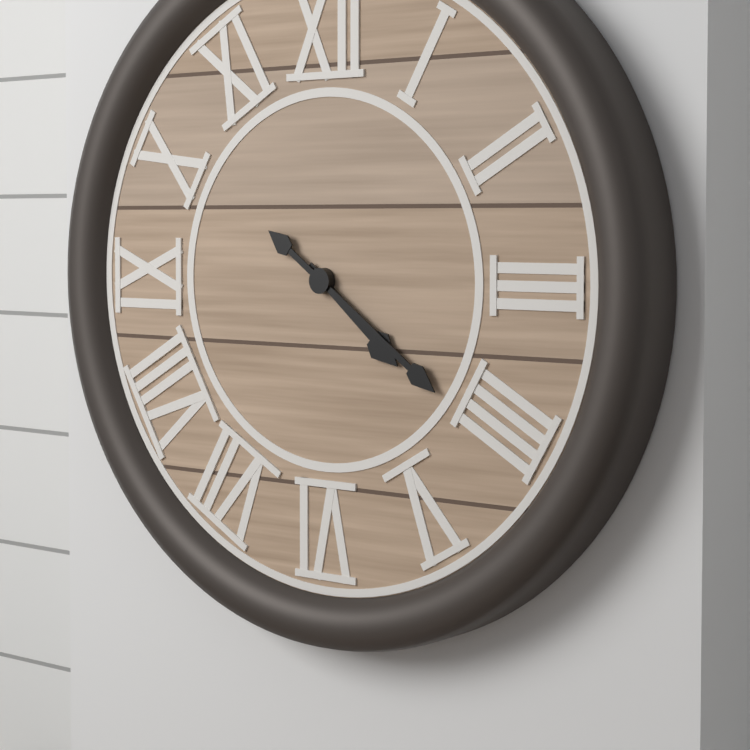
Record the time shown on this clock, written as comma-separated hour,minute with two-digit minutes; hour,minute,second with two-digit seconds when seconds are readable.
4,21
